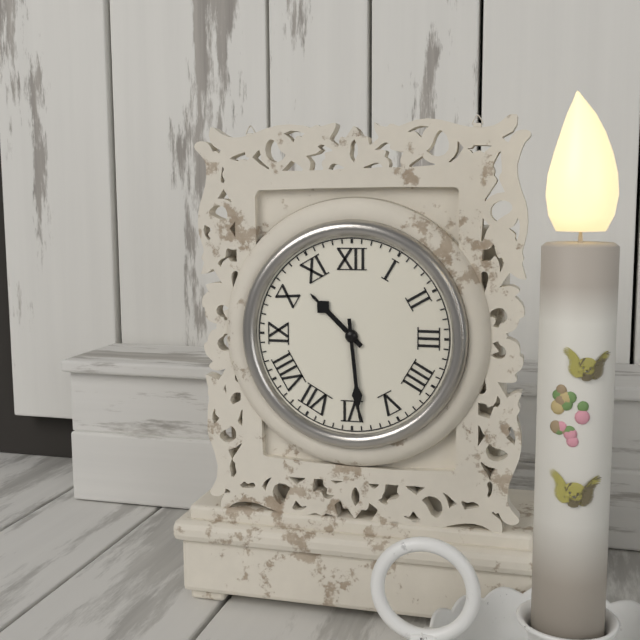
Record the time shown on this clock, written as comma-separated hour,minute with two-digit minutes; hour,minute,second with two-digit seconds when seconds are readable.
10,29
